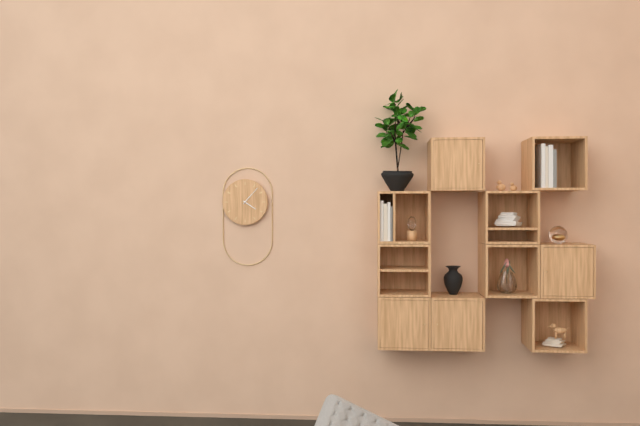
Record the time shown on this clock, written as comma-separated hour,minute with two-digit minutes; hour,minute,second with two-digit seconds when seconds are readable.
4,07
